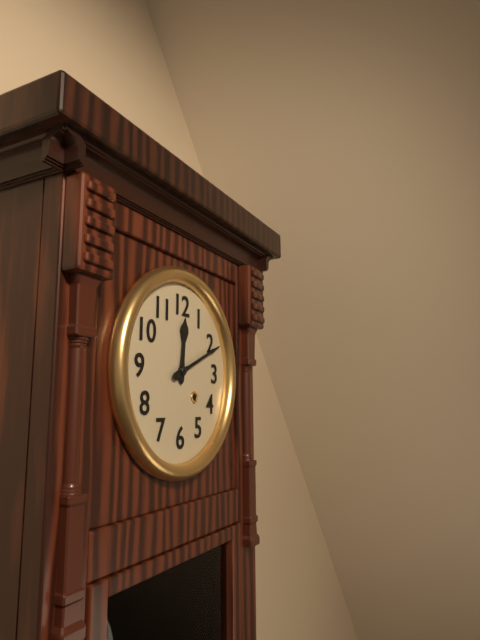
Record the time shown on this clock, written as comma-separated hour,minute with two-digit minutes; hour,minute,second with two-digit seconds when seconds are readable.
12,11
